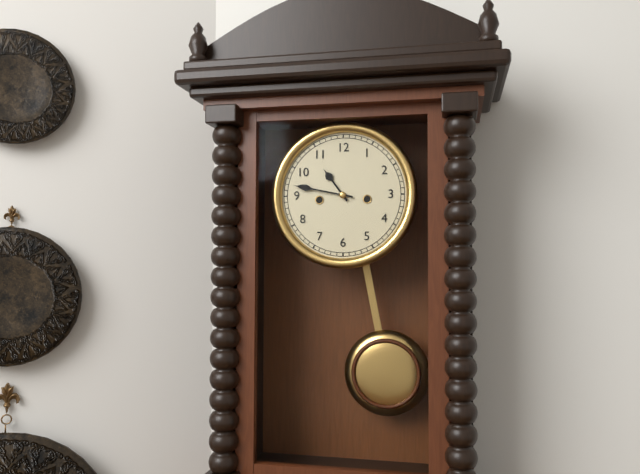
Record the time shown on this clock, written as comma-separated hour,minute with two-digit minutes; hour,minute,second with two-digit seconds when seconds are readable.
10,47
